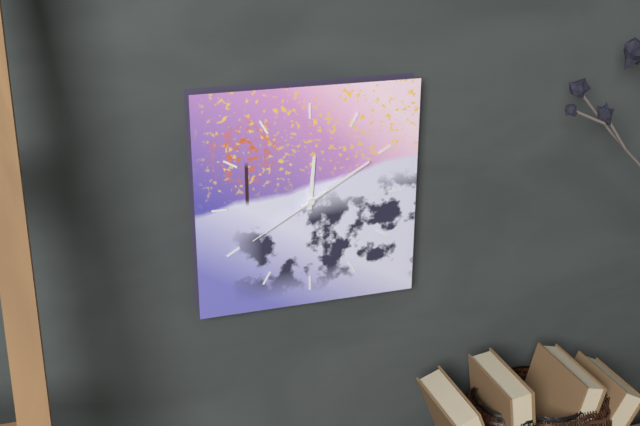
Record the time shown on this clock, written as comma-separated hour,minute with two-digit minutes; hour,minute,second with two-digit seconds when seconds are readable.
12,10,40
